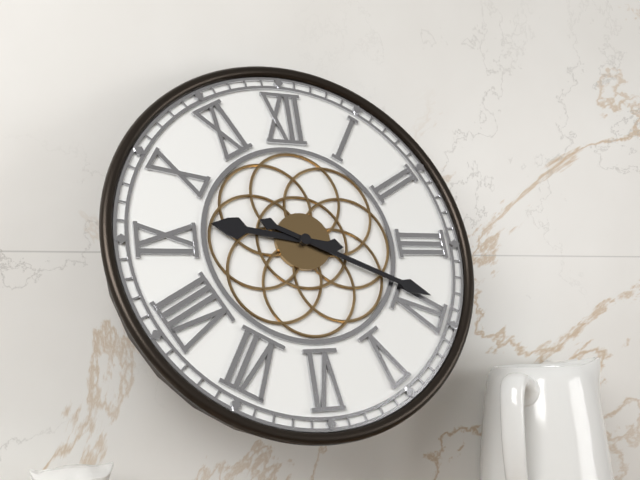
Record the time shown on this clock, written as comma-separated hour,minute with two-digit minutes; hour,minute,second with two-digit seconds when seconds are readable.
9,19
